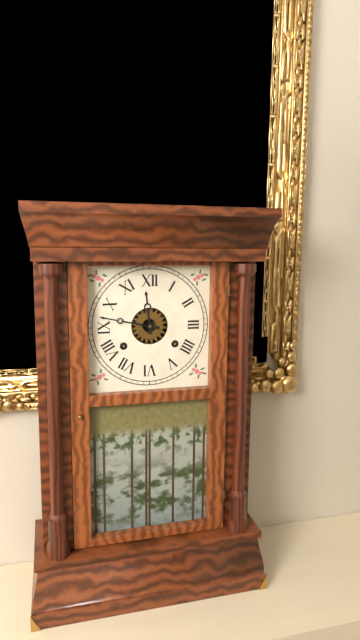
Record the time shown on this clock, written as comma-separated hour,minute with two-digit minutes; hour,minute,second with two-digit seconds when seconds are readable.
11,47
